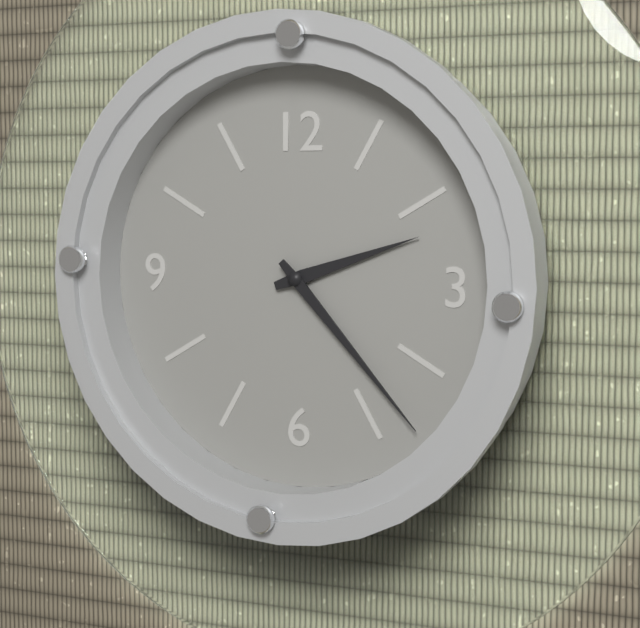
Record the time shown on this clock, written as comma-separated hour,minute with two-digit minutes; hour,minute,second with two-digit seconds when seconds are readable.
2,23
